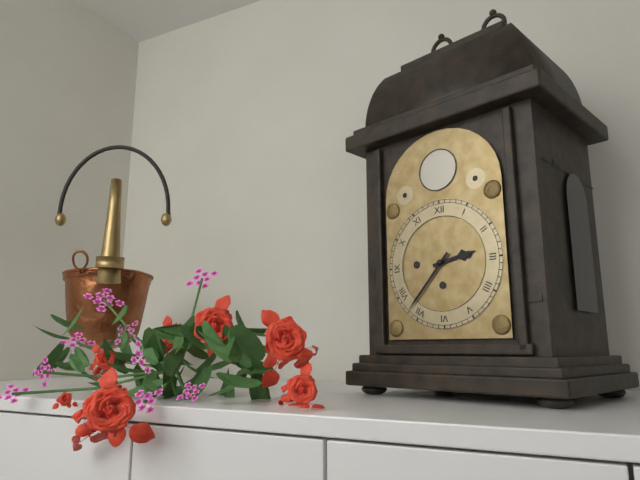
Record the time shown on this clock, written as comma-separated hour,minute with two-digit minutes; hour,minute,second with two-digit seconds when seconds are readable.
2,37
